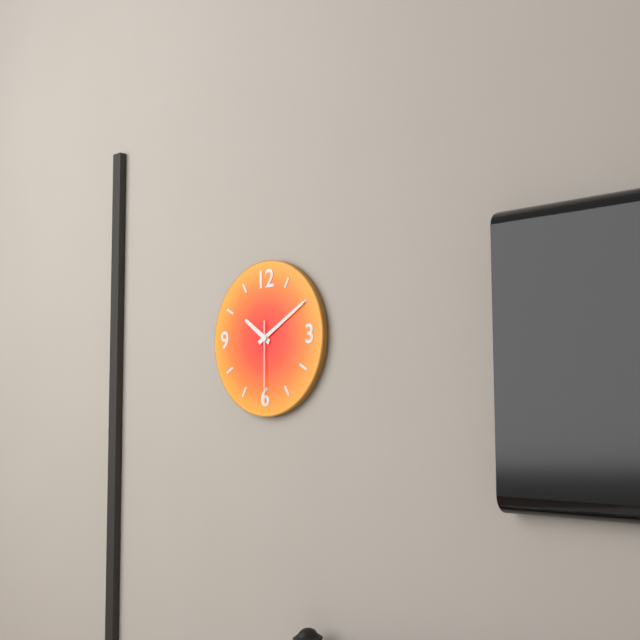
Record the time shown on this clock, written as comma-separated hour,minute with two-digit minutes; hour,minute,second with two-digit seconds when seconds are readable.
10,10,30
